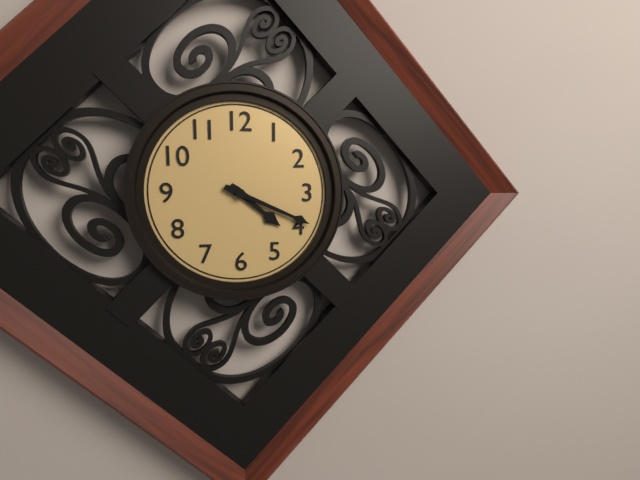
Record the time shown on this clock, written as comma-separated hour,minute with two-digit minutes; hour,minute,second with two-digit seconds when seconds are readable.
4,19
